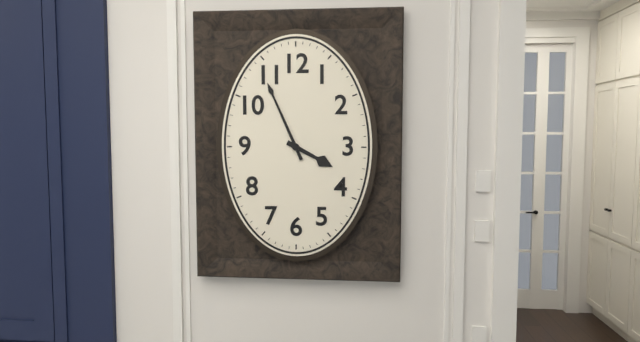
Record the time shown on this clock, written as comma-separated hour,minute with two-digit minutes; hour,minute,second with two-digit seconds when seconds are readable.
3,56
